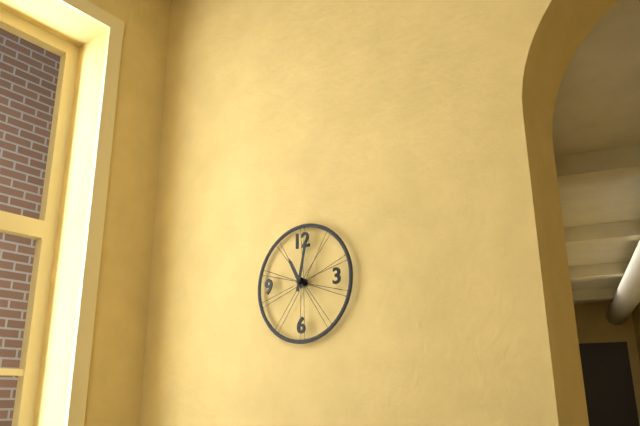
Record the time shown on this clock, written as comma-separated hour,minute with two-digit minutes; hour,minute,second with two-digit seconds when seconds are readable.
11,02
